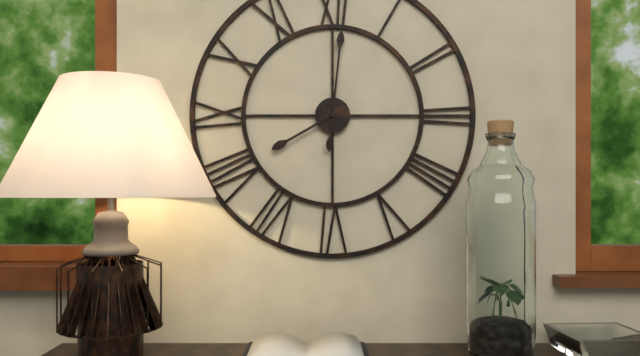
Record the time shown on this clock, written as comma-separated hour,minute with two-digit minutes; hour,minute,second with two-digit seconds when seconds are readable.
8,01
